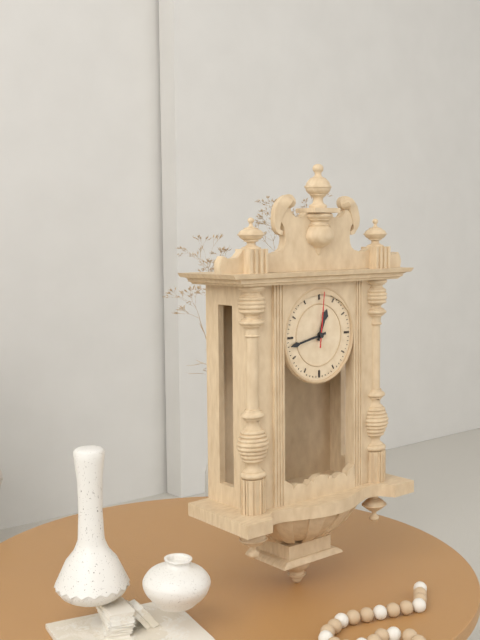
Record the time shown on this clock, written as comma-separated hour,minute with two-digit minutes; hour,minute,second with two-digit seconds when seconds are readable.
12,43,01
